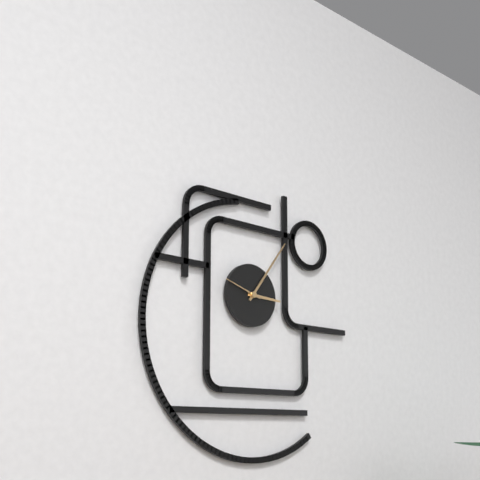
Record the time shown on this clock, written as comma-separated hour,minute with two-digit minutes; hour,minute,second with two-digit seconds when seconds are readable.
3,06
